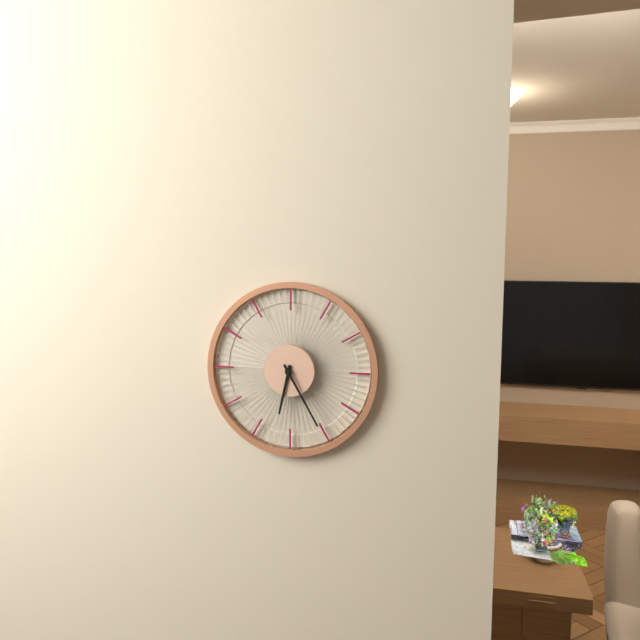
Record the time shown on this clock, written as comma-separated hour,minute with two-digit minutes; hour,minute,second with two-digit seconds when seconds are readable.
6,25
